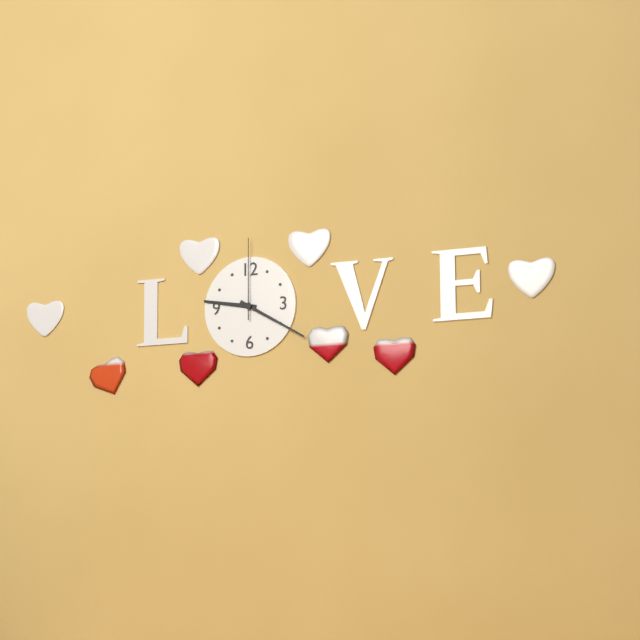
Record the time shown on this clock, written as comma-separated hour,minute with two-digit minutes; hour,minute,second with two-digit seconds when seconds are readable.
9,20,00
